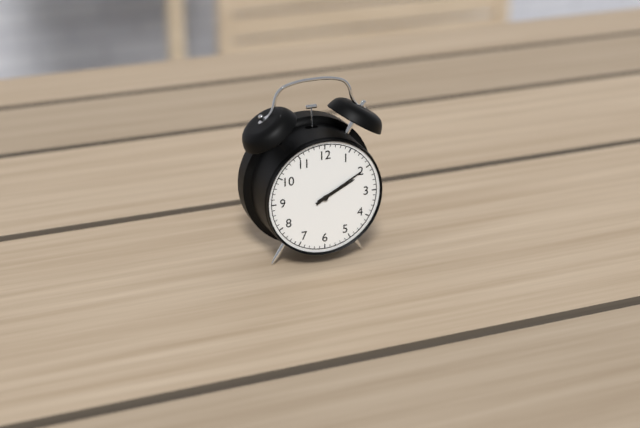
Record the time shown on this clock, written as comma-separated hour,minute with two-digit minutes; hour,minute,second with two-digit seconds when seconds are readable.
2,10
